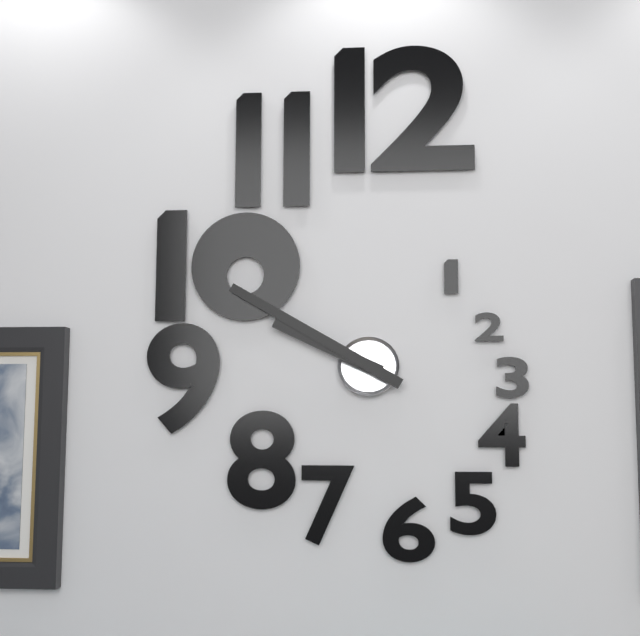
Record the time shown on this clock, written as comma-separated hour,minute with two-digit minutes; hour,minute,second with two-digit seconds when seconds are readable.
9,50
